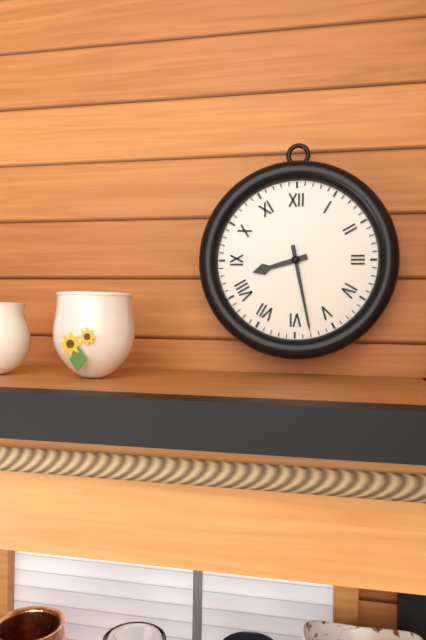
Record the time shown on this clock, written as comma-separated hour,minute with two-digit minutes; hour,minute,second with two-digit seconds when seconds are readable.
8,28
